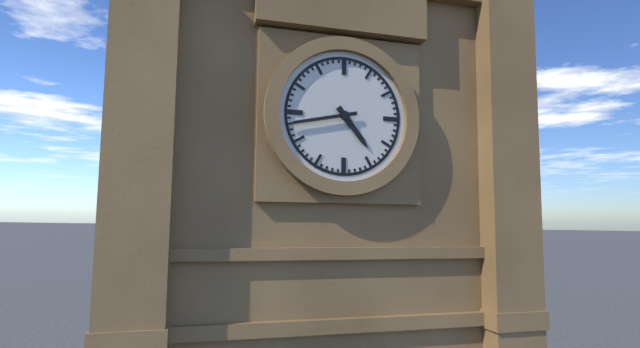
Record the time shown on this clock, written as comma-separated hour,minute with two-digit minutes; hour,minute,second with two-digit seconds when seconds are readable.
4,43
